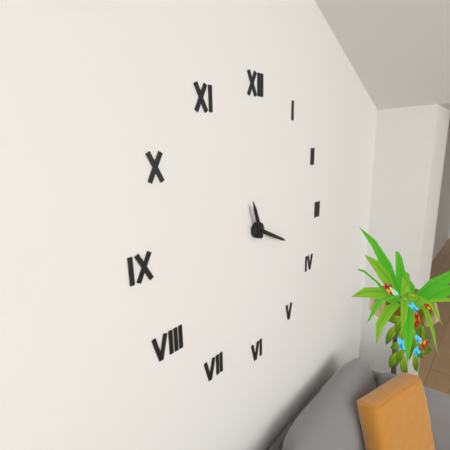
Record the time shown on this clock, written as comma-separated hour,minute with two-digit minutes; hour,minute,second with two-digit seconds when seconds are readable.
11,19
